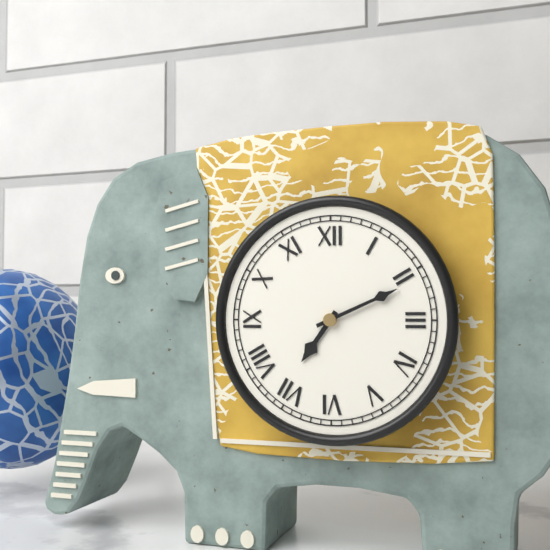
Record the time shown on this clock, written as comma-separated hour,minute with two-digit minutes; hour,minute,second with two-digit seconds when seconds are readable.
7,11
